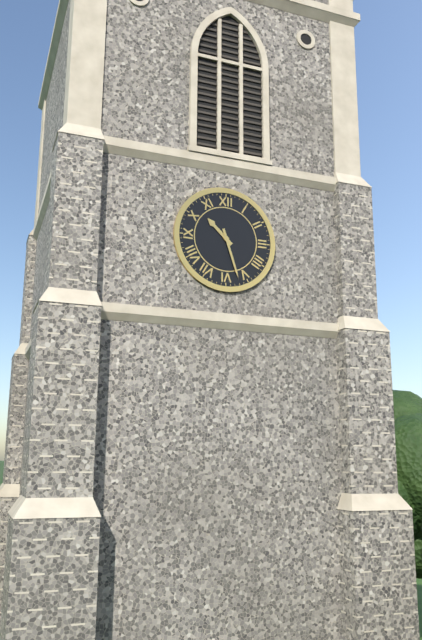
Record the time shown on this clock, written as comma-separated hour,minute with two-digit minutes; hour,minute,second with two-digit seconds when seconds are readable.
10,27
